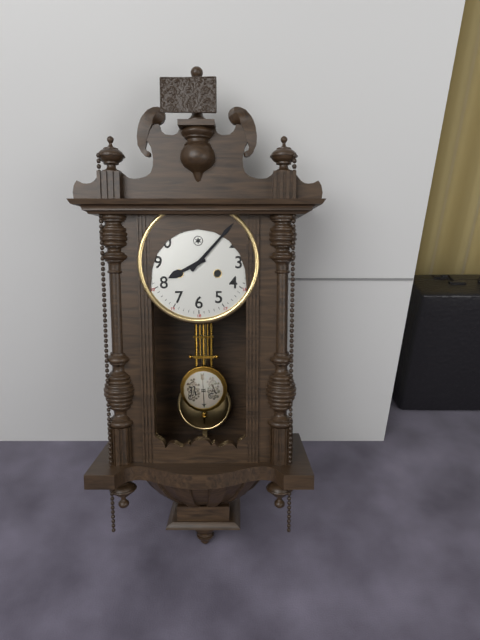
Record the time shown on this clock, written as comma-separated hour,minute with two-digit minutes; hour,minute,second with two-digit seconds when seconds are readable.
8,07
